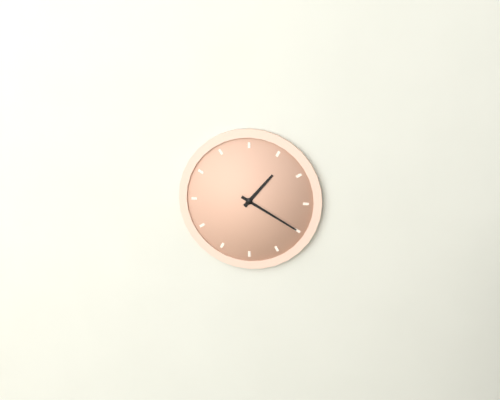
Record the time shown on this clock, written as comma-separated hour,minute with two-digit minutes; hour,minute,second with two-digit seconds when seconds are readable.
1,20
